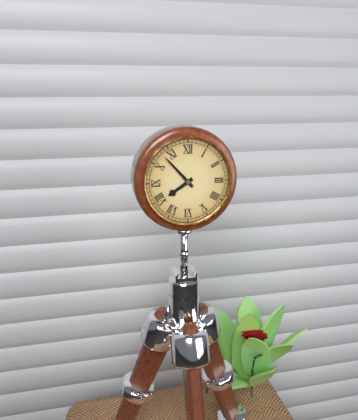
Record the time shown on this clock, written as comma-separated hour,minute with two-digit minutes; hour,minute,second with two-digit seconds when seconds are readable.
7,53
